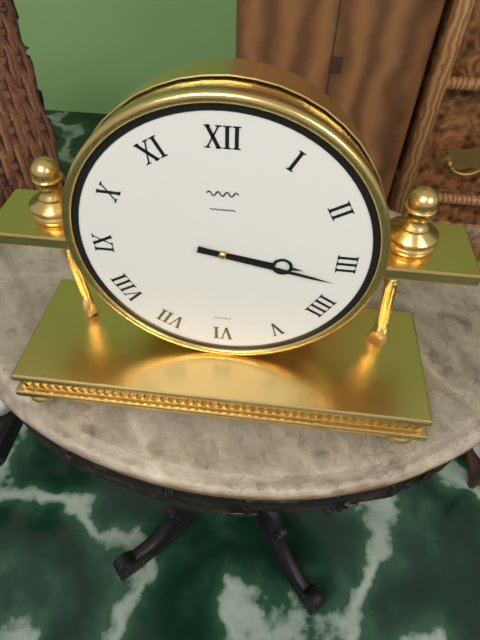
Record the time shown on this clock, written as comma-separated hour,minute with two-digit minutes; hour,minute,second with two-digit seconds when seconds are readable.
3,17
